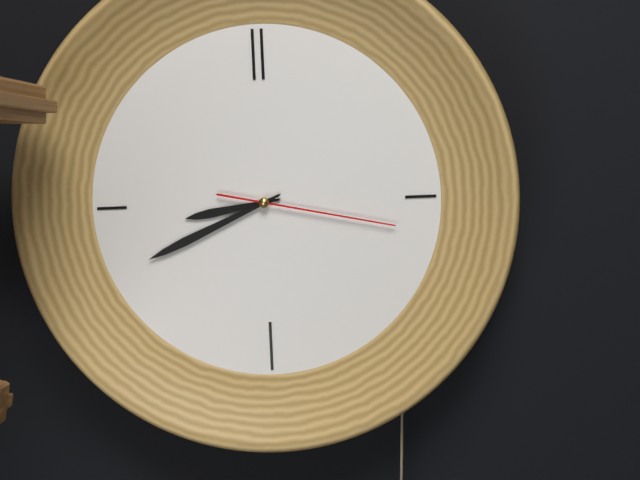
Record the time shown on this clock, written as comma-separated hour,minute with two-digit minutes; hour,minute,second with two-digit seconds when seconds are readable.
8,41,17
